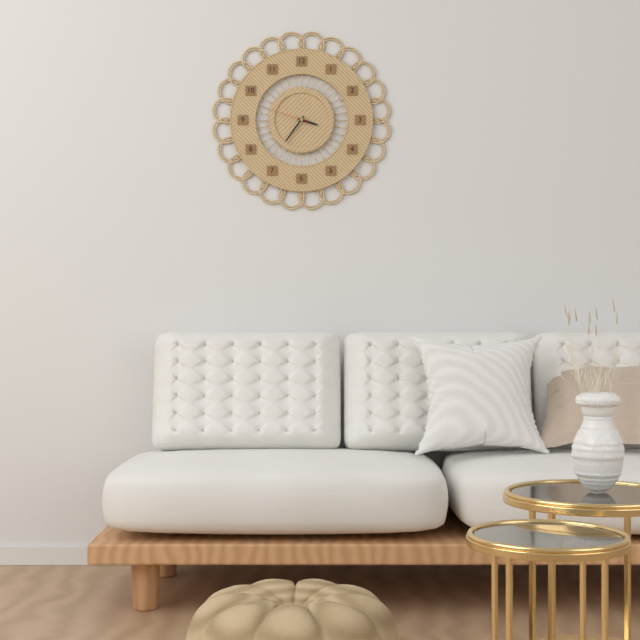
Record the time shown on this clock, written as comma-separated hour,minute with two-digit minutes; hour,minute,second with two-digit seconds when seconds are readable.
3,36
